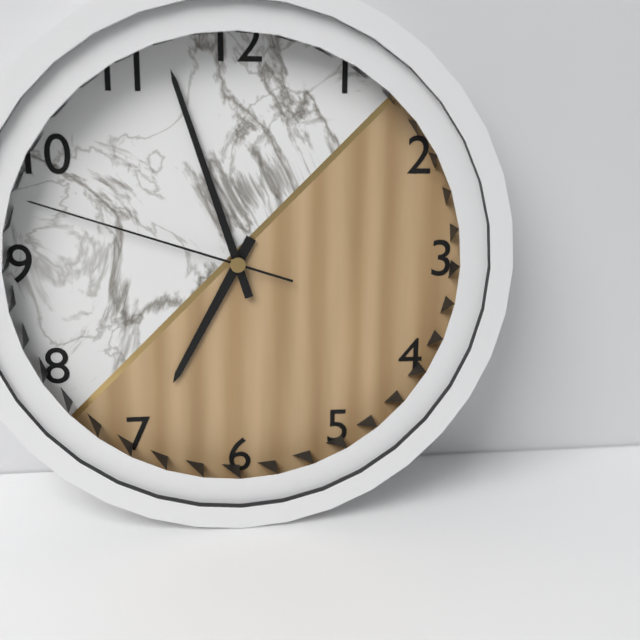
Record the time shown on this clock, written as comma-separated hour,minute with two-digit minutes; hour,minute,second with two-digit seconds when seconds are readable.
6,57,48
